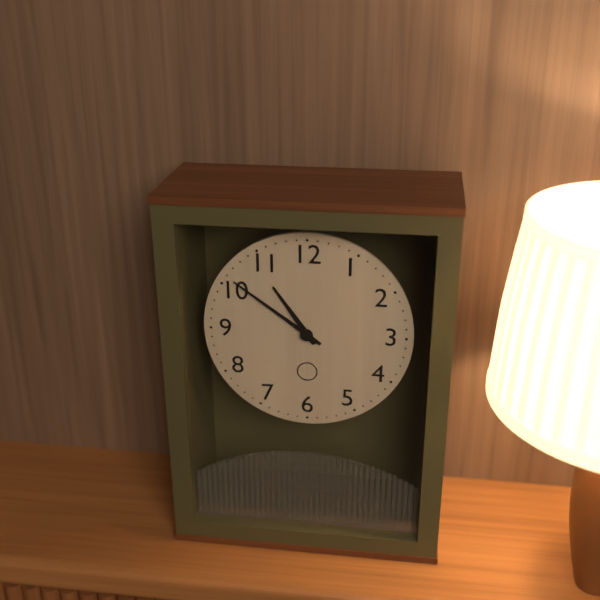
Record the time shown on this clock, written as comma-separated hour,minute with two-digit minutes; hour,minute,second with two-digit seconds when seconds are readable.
10,51
